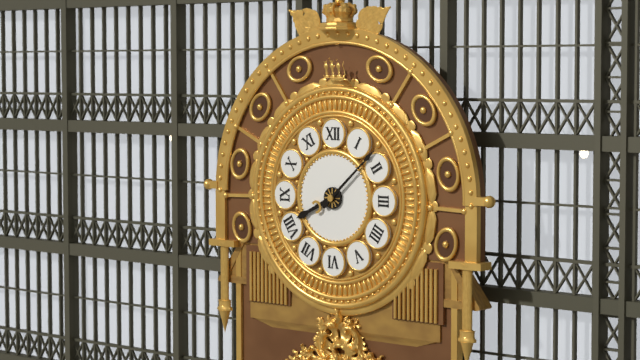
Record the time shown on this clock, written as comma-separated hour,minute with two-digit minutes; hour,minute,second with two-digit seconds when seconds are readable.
8,08
